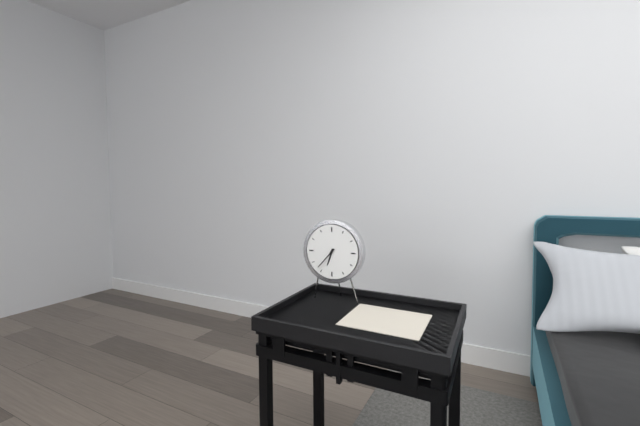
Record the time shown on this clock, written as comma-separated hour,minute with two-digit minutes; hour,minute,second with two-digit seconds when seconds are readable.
6,37
